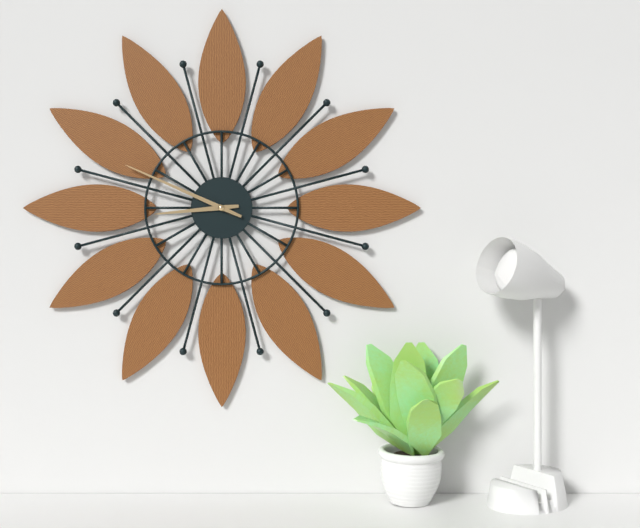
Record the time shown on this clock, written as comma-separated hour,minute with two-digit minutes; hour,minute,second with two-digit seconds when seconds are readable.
8,49
